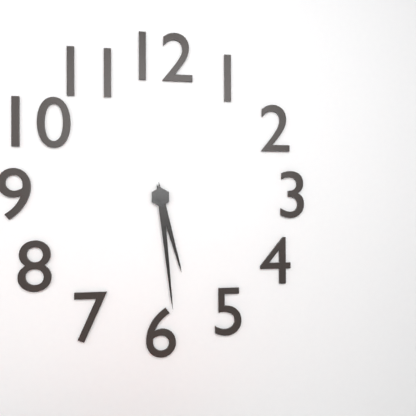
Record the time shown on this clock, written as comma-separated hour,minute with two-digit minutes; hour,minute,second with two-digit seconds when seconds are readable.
5,29
